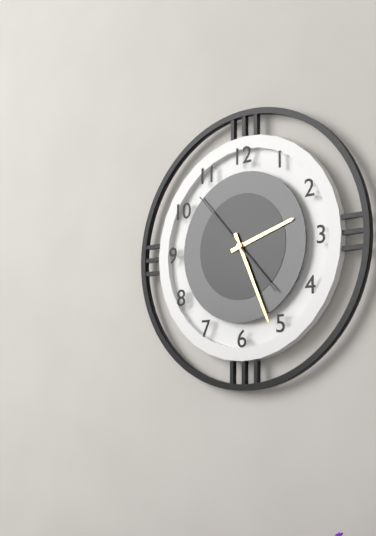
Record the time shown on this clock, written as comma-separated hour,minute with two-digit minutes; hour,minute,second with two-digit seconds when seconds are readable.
2,26,53
